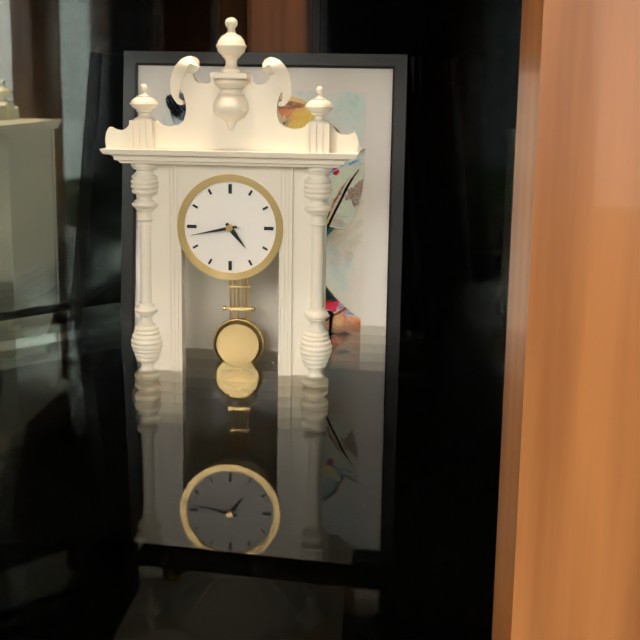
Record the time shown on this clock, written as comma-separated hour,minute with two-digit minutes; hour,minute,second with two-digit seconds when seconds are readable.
4,43
